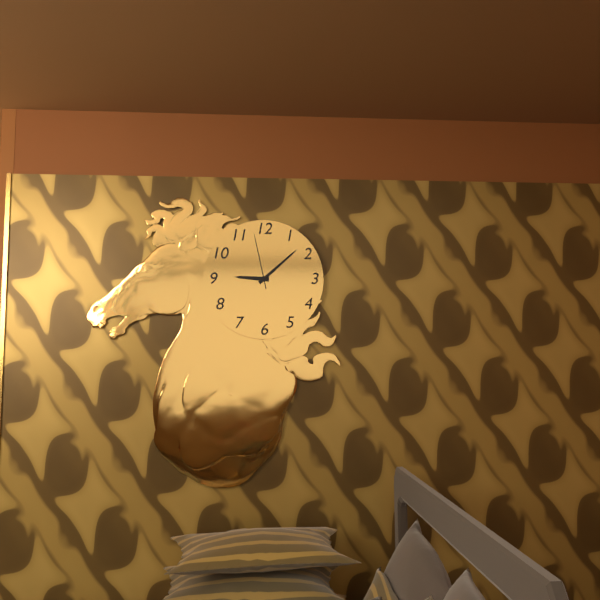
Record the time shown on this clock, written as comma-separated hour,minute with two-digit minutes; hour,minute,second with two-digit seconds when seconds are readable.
9,08,58
